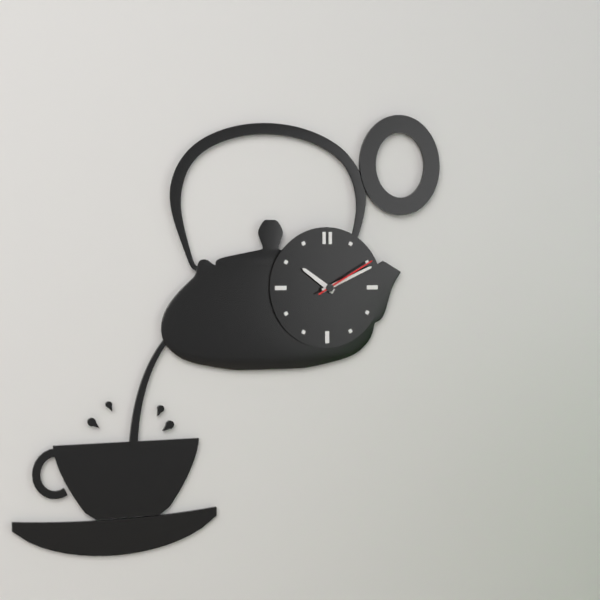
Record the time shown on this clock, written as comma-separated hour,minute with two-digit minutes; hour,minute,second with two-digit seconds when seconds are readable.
10,11,10
